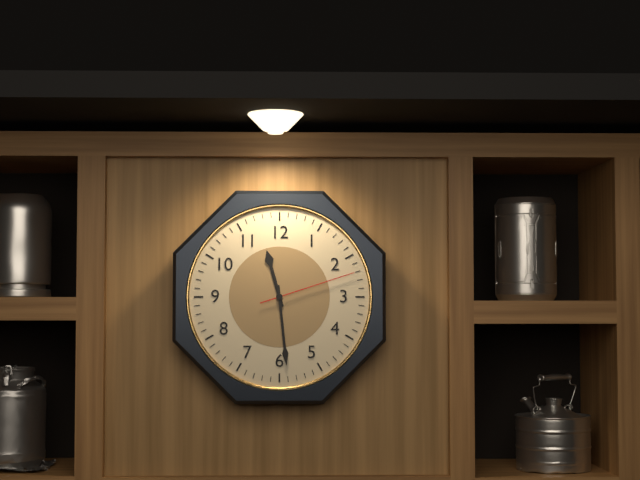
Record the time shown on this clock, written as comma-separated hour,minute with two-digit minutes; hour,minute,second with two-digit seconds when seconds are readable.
11,29,12
